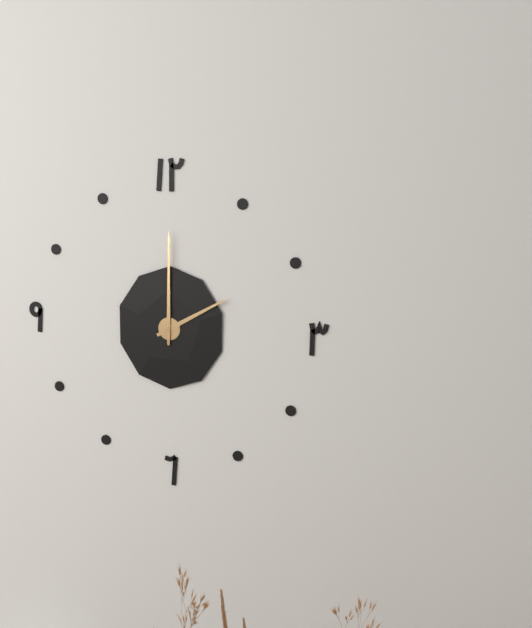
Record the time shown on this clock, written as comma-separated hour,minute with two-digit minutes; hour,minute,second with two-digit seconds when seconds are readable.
2,00
